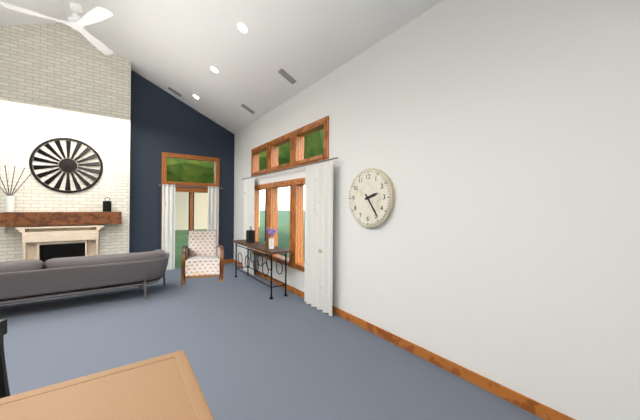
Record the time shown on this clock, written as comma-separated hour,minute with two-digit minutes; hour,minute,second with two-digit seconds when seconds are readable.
2,24
